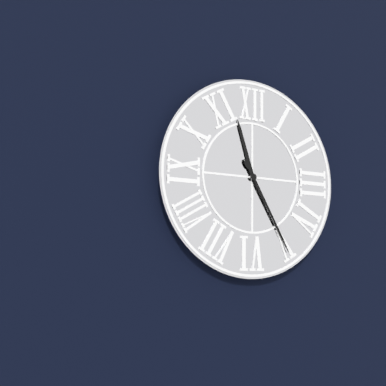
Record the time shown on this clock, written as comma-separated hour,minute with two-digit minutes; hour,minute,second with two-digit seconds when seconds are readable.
11,25
